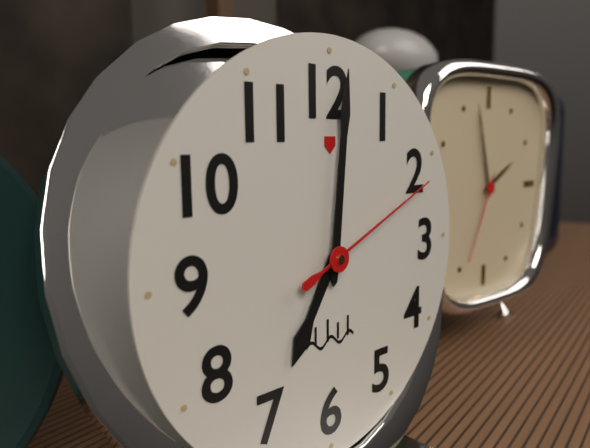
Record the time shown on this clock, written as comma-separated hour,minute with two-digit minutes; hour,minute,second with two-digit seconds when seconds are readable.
7,01,11
